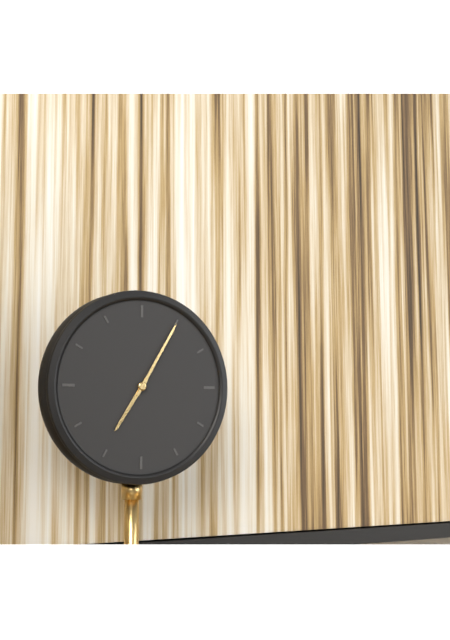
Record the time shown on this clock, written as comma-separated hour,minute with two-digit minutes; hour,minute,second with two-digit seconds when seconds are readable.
7,05
